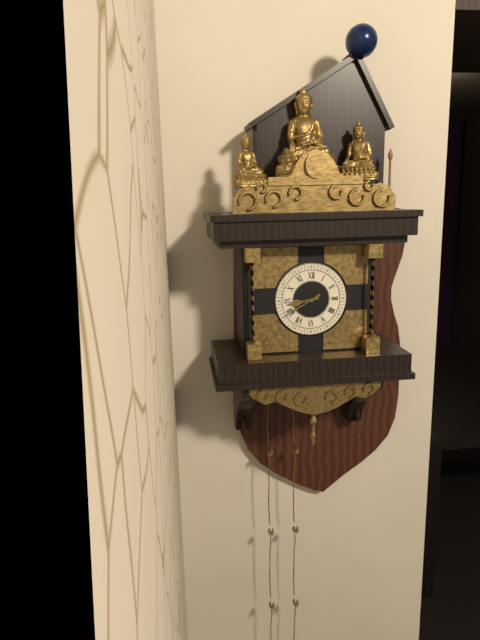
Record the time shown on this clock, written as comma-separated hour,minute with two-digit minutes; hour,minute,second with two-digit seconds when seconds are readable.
8,40
